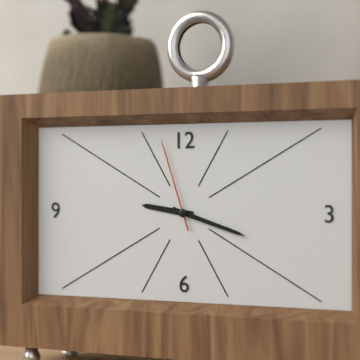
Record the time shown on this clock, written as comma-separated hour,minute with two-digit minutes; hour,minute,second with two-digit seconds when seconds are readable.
9,18,57
